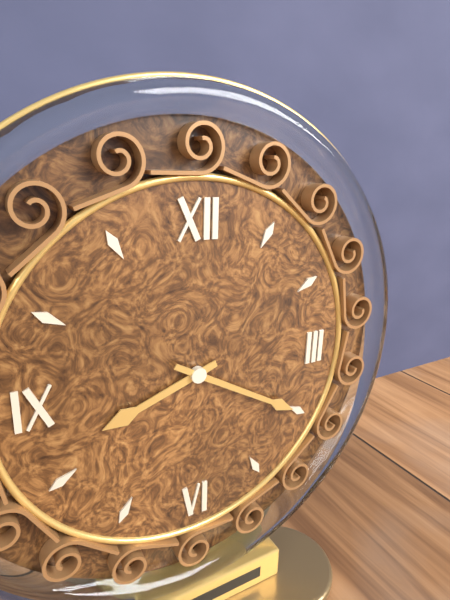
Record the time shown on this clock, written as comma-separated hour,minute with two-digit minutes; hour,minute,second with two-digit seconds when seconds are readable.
8,20
